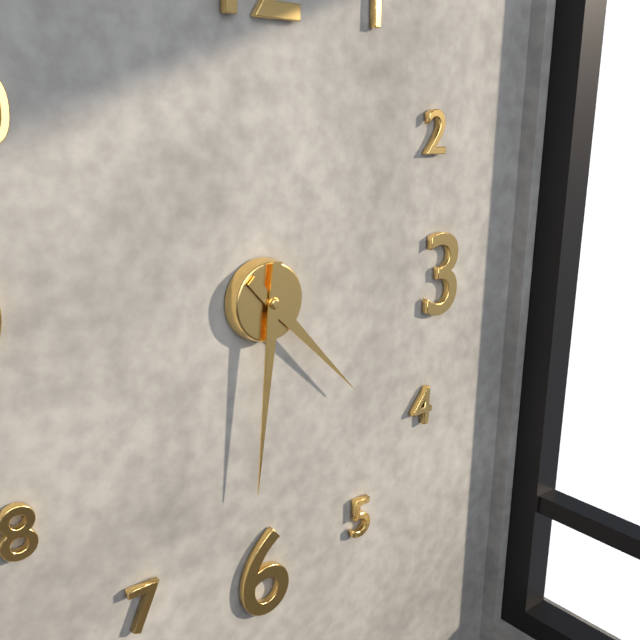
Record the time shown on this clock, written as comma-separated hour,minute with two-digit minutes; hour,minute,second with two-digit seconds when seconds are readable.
4,31
